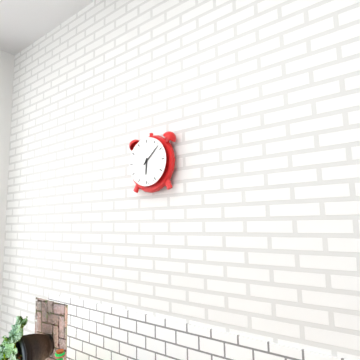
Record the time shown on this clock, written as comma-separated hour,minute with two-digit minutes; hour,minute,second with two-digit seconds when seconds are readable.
6,08
